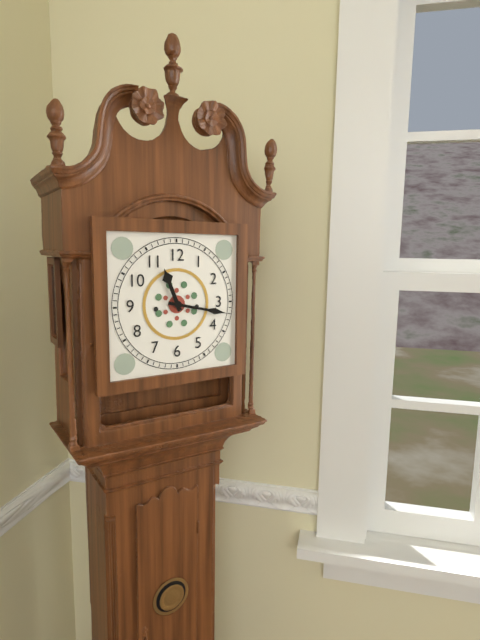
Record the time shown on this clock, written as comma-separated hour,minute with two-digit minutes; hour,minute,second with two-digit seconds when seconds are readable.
11,17
